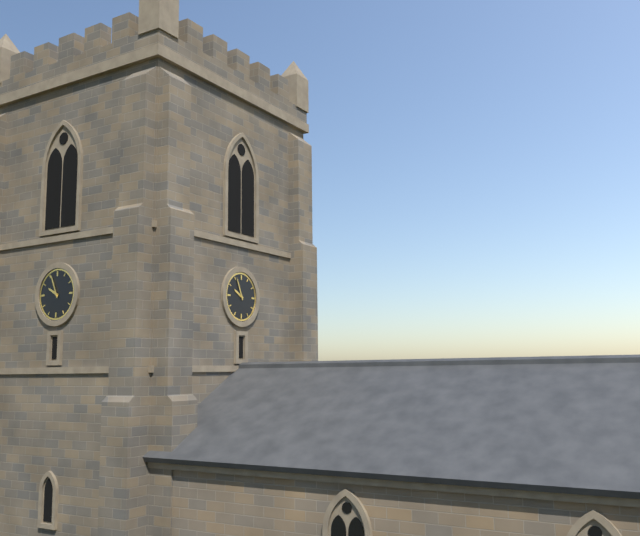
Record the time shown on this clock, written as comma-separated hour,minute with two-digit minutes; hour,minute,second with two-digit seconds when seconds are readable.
9,56
